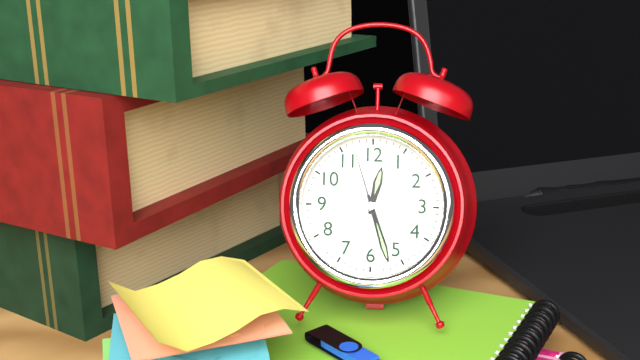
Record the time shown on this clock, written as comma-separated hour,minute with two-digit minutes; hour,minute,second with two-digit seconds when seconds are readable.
12,27,57
